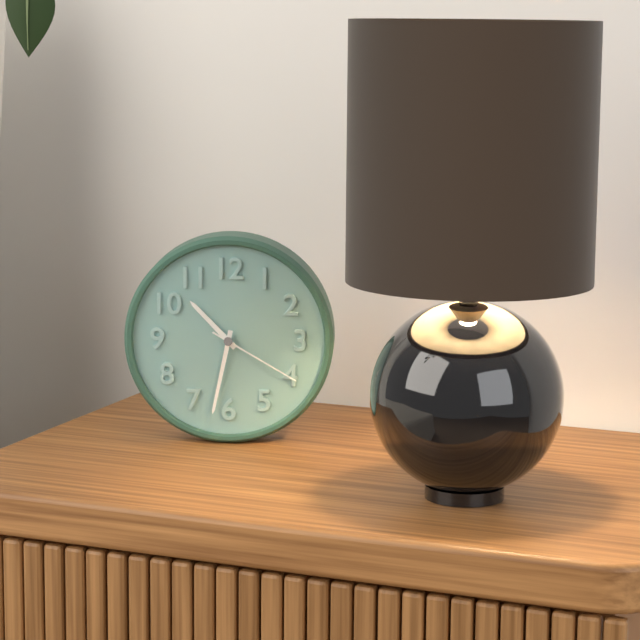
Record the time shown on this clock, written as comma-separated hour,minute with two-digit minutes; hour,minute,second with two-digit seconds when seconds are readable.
10,32,20
